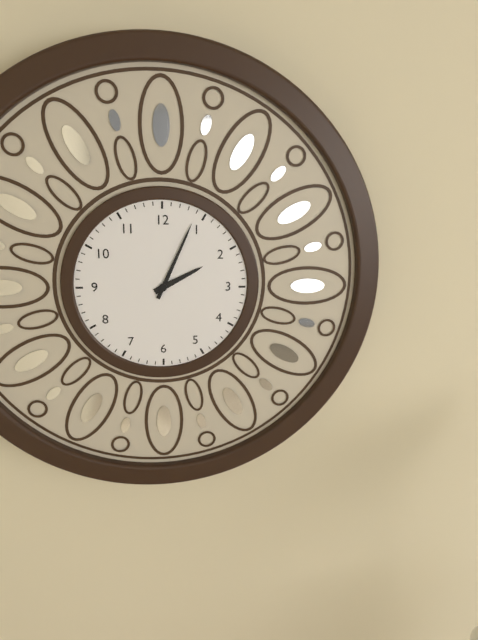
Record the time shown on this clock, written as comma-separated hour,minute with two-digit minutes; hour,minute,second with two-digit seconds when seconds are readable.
2,04
